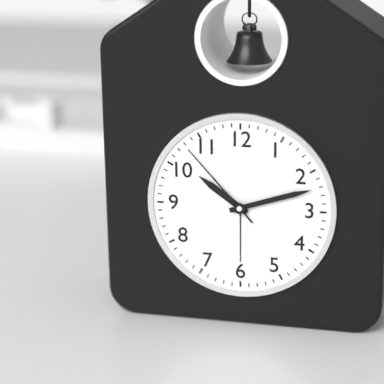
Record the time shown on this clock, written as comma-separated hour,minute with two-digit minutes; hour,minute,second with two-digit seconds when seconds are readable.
10,12,53
